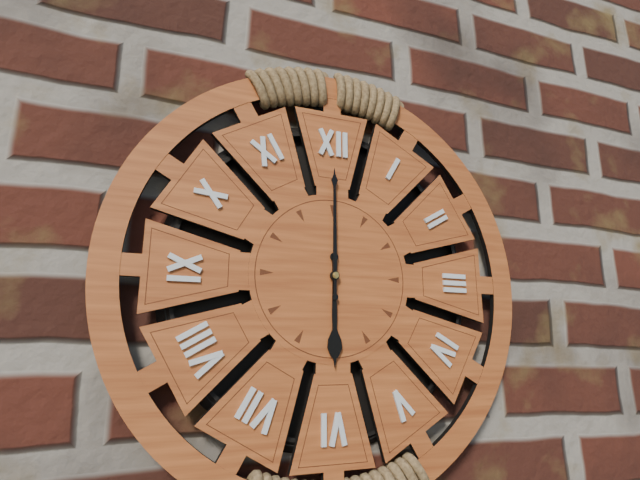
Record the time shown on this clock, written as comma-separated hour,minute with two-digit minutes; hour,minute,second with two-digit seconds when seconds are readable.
6,00
